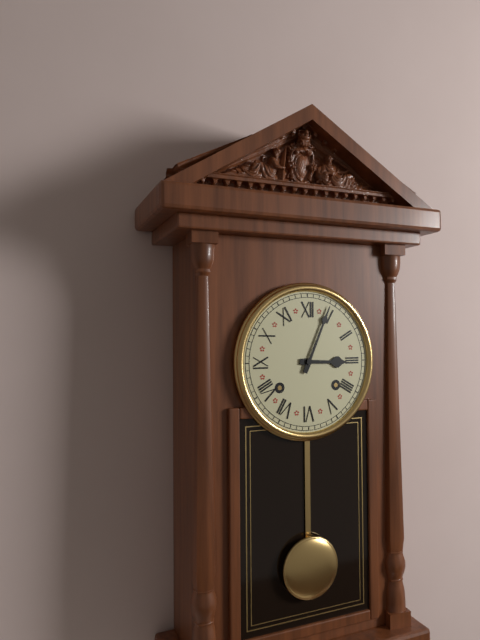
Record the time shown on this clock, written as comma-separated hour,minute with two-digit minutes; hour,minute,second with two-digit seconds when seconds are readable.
3,04
